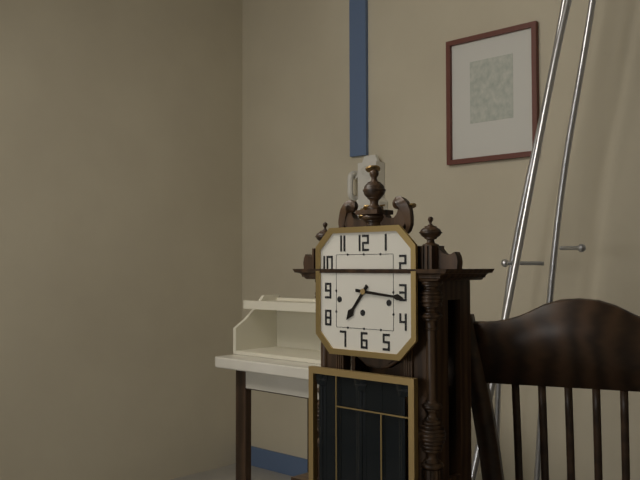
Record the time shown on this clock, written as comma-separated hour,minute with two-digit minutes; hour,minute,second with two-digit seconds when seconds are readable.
7,16
